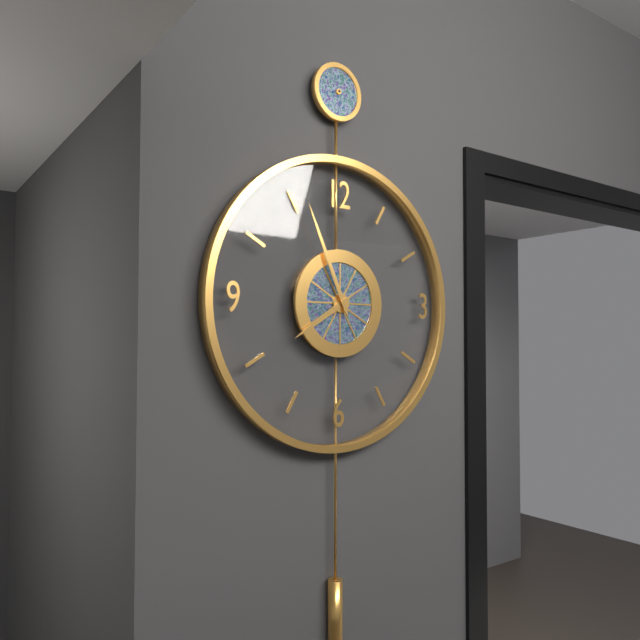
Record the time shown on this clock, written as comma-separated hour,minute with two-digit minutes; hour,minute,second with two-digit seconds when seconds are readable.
7,56
